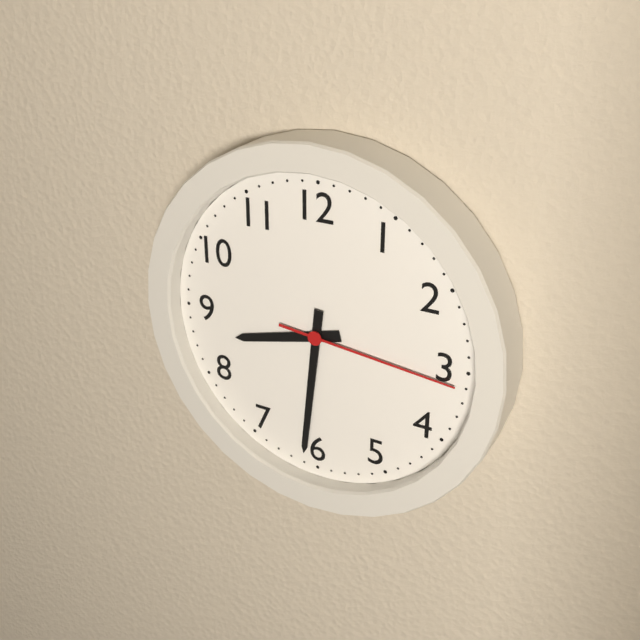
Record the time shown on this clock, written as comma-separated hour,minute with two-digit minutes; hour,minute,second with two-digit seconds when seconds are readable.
8,31,16
